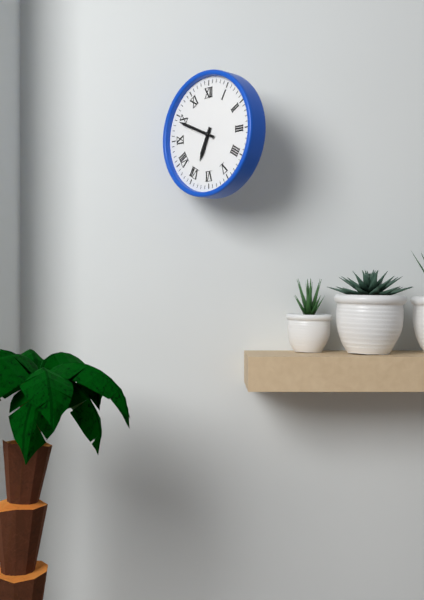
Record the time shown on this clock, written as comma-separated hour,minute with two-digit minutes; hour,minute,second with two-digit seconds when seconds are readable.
6,49
